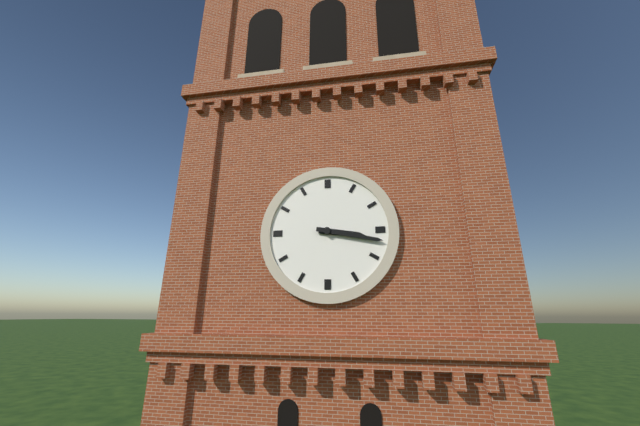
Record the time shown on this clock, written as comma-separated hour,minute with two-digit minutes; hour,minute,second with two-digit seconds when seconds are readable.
3,17
